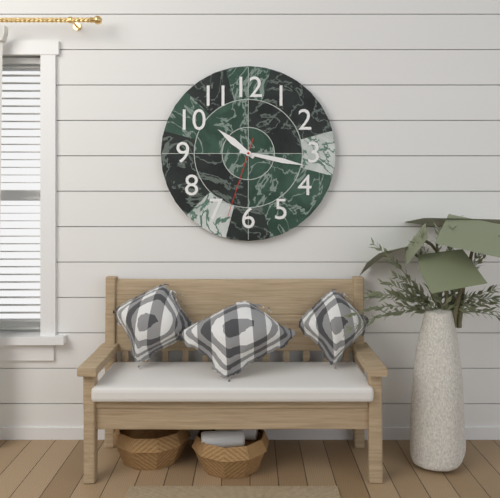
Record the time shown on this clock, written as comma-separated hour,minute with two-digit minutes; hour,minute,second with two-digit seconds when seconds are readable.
10,17,33
